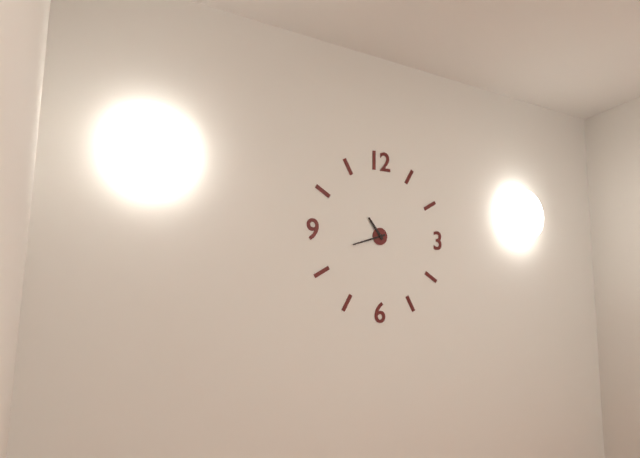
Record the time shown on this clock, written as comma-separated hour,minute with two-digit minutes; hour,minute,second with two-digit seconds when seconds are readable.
10,42
